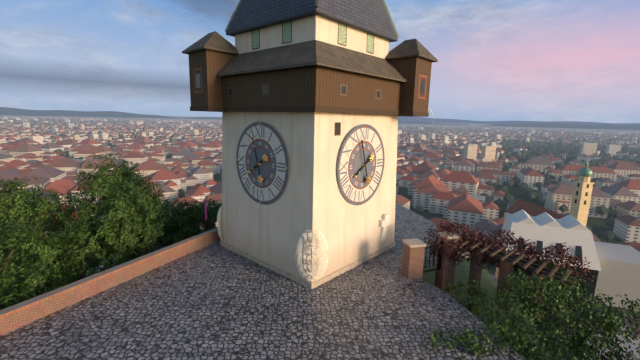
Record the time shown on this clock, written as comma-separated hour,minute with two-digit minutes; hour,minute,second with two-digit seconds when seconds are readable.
7,57
